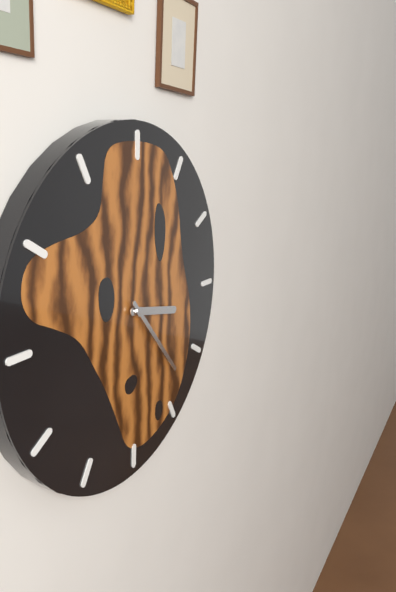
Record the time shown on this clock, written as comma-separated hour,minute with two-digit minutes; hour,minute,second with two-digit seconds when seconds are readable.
3,23
